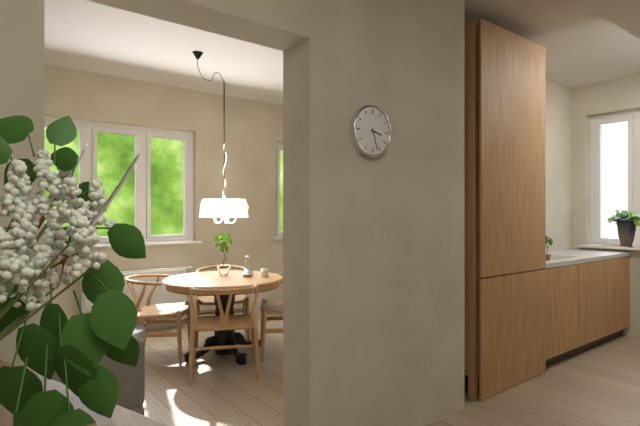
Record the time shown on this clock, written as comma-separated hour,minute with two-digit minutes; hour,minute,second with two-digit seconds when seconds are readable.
3,27
